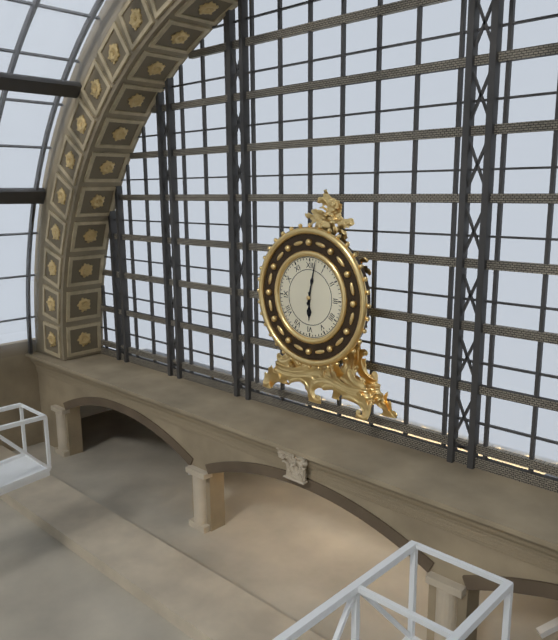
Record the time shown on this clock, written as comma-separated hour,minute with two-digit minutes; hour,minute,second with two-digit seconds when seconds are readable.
6,02
